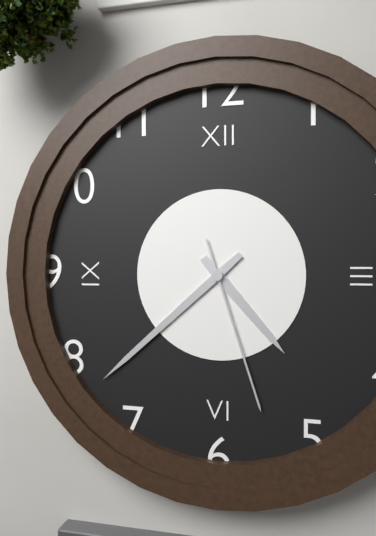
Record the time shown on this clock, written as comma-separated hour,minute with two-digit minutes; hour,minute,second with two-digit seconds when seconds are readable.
4,38,27
